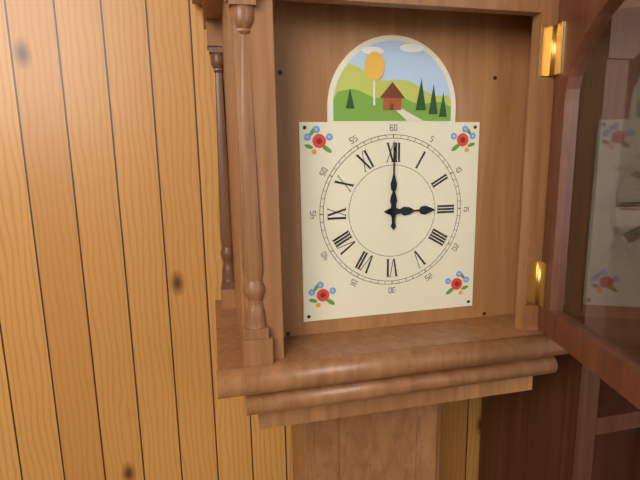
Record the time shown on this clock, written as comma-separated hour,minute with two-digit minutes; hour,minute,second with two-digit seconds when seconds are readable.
3,00
